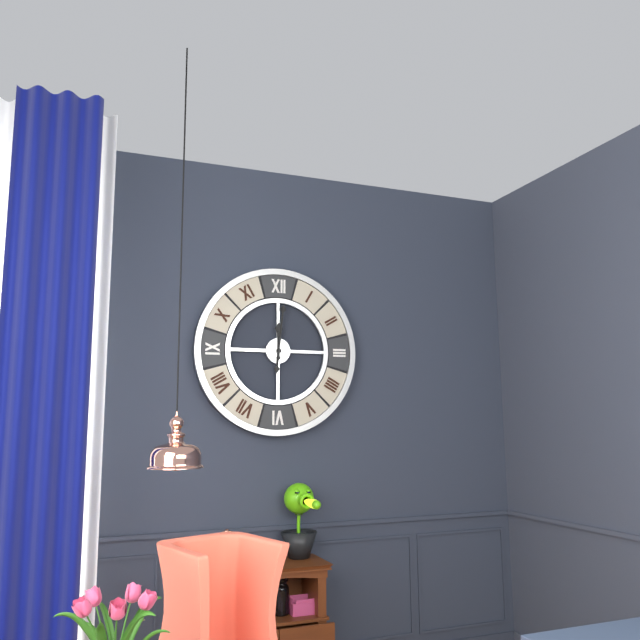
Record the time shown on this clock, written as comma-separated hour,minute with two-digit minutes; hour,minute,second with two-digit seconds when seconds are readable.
12,01
